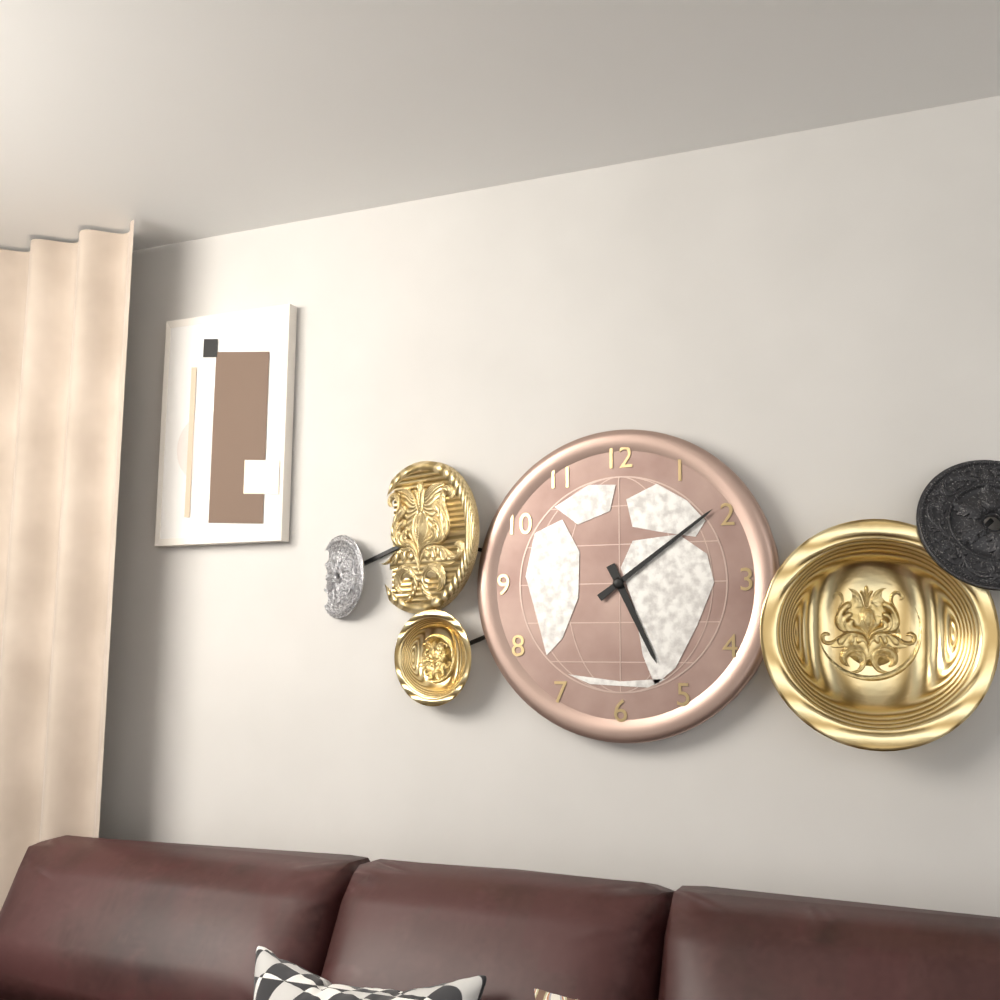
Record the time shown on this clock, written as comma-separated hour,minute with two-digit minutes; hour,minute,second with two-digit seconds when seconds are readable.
5,09
